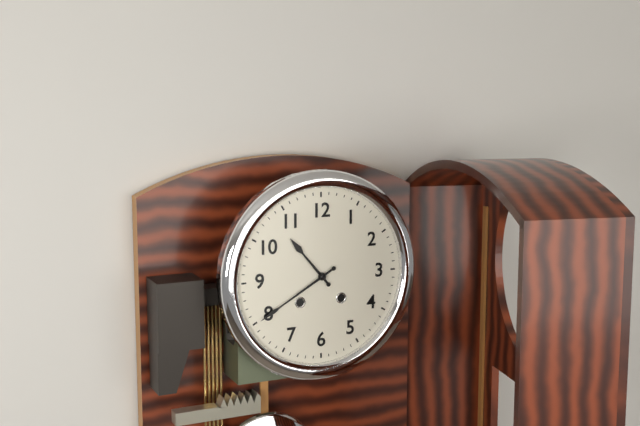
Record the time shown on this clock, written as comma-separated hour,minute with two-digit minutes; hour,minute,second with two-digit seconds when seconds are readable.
10,40
